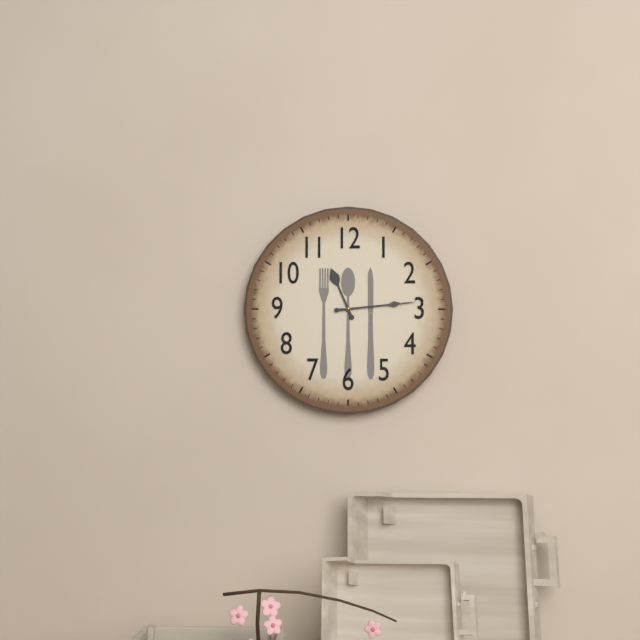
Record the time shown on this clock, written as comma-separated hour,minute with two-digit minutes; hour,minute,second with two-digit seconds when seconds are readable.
11,14
